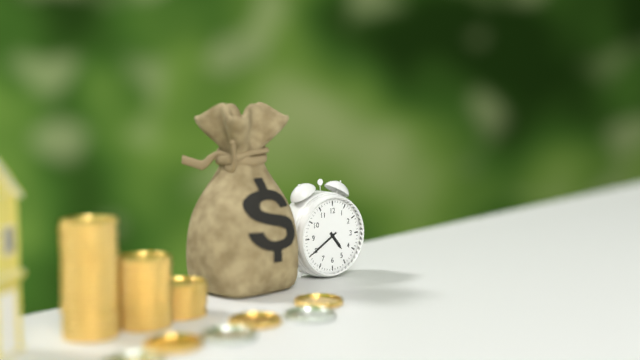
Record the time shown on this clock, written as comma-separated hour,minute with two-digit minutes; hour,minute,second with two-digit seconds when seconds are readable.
4,40
